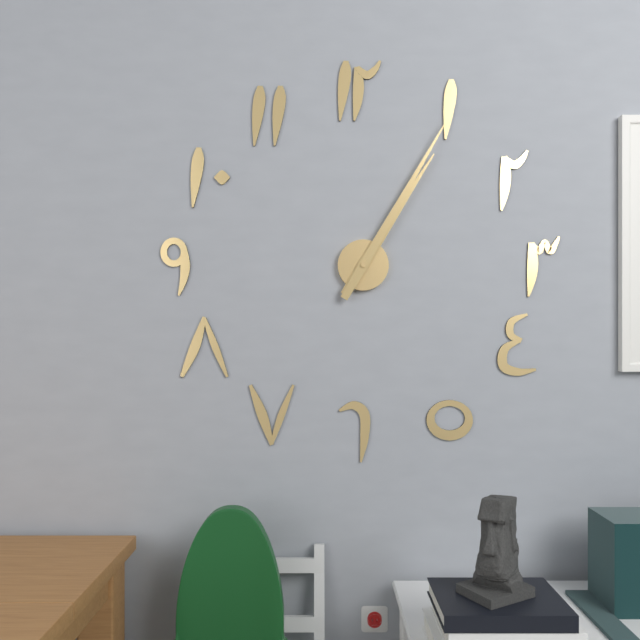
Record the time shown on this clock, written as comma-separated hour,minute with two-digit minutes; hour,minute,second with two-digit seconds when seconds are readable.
1,05
